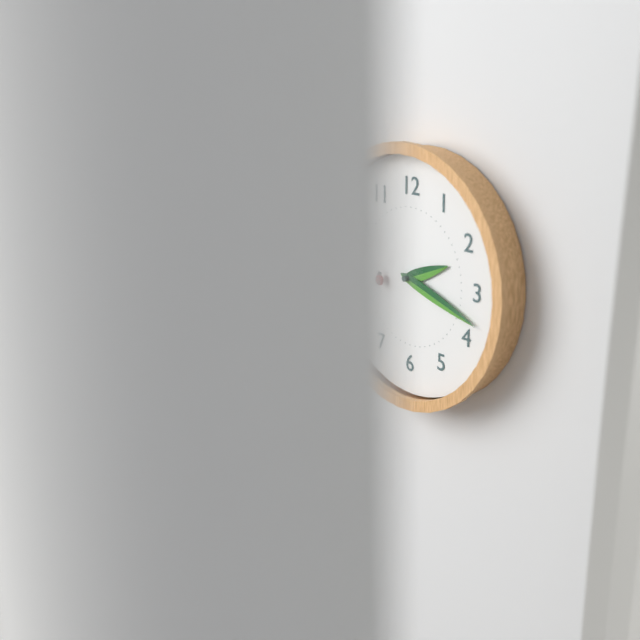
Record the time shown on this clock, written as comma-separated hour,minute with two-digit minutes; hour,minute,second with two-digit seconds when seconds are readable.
2,18
